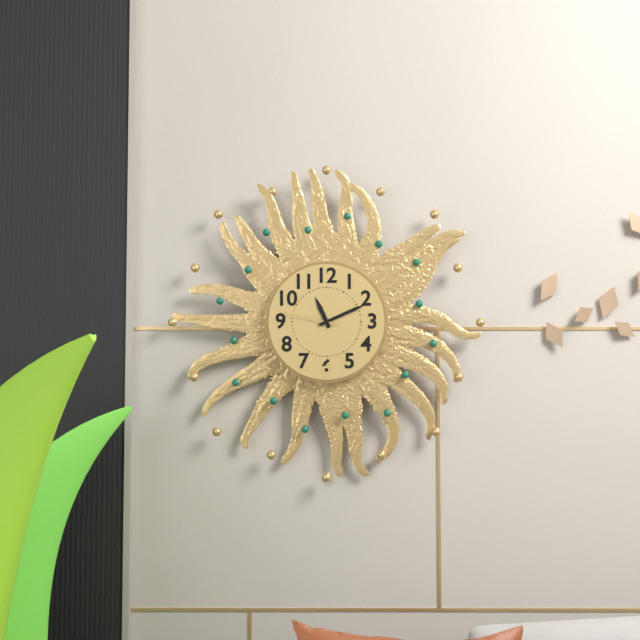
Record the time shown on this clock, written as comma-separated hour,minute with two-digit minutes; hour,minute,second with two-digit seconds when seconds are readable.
11,11,47
